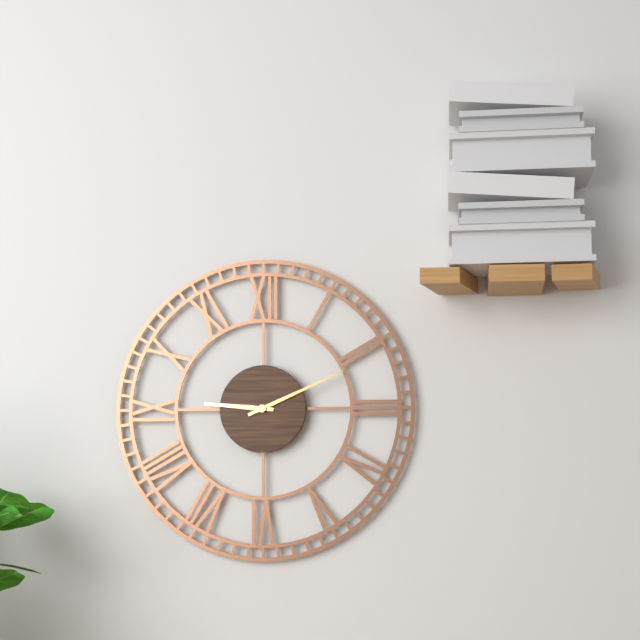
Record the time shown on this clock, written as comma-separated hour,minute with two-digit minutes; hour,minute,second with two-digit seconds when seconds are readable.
9,11
